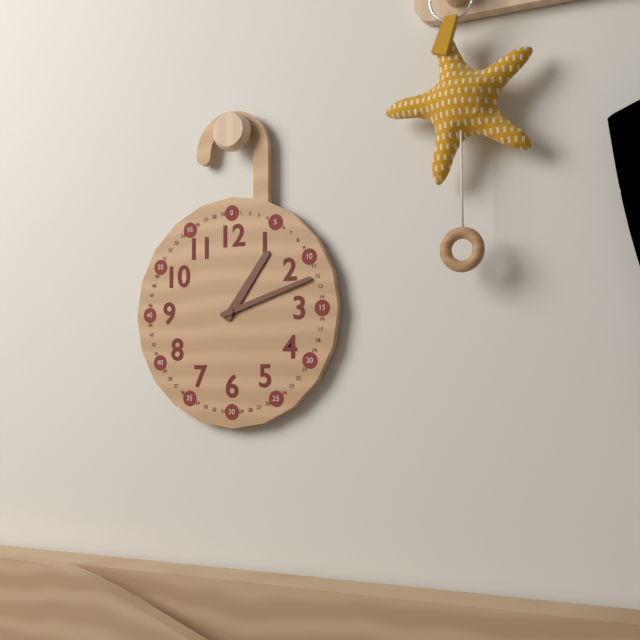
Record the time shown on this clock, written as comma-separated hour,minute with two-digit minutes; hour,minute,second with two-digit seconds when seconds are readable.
1,12
